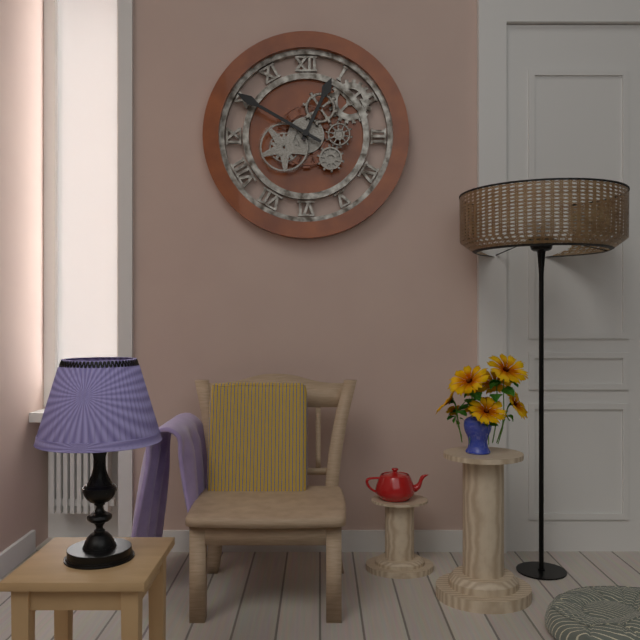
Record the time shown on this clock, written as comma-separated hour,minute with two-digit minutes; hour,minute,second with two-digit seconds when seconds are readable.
12,50
